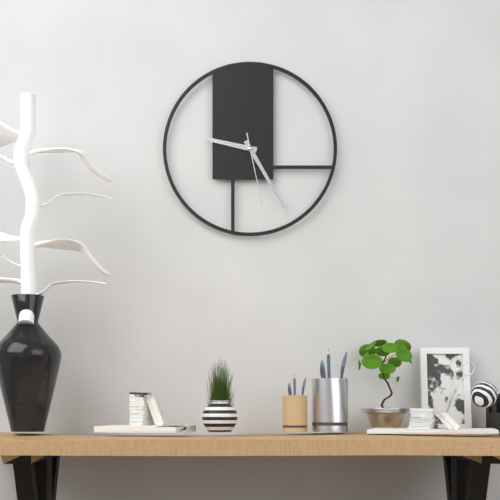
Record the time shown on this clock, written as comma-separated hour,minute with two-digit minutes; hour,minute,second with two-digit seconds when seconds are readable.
9,25,28
